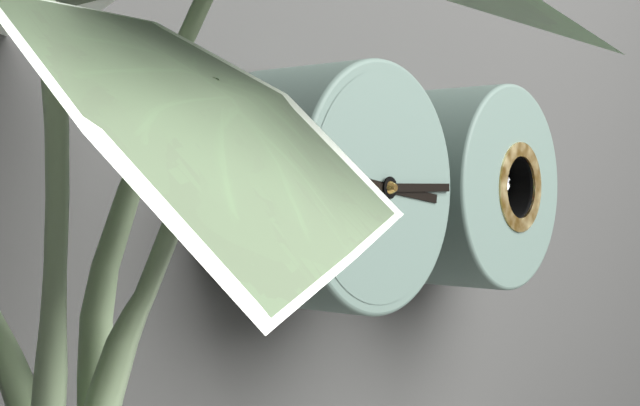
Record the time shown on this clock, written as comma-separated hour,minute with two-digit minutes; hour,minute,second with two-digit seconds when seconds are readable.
3,15
